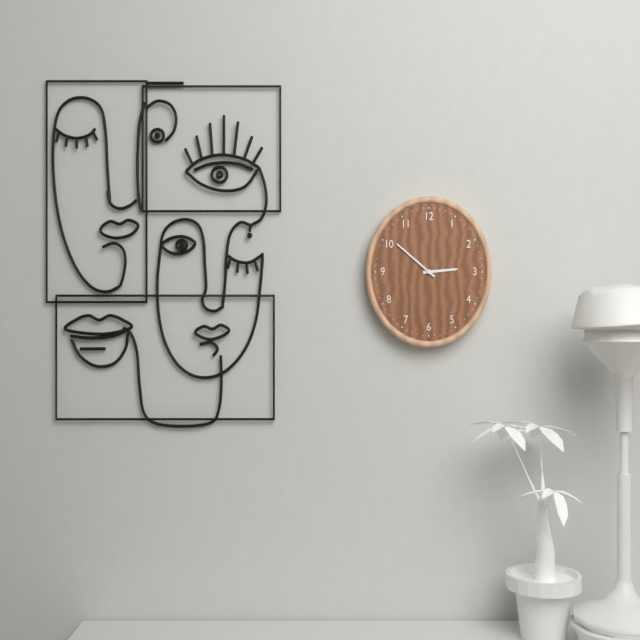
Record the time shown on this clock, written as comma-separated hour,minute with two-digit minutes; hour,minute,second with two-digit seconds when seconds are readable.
2,51
